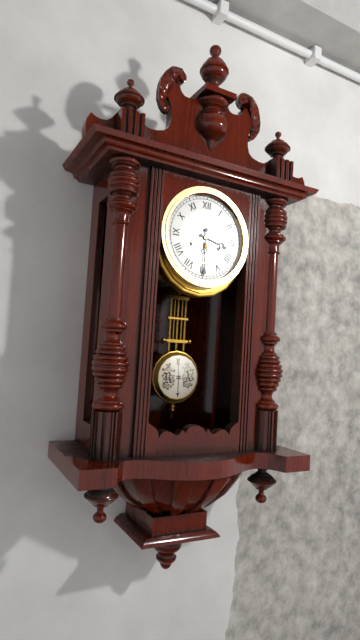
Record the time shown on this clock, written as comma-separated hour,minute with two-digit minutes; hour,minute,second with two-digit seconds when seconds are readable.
3,30
